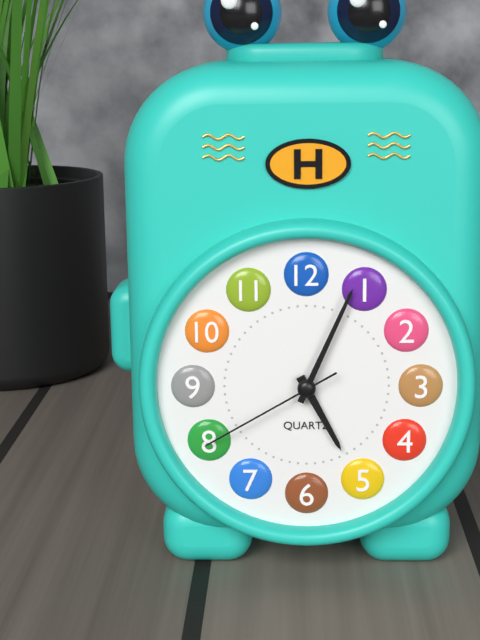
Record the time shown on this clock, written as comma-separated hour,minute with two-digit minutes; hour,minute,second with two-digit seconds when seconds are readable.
5,04,40
